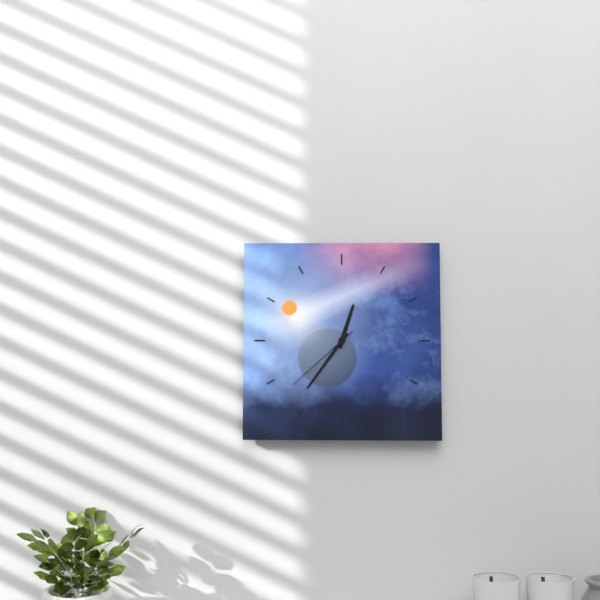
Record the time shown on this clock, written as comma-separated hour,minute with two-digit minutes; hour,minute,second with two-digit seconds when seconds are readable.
12,36,38
